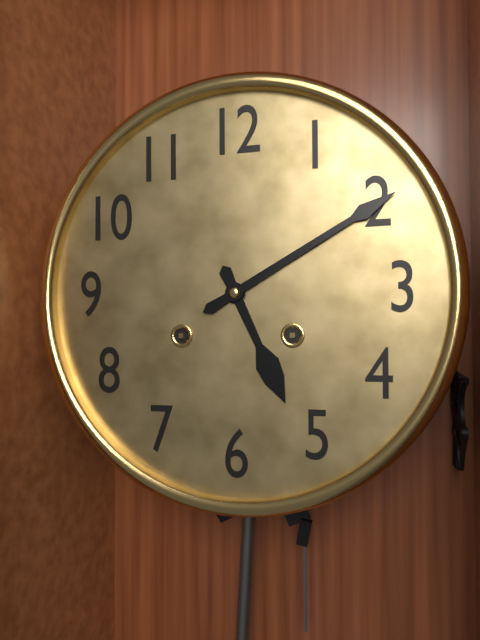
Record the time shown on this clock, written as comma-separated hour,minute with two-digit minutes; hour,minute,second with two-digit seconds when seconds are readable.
5,10
